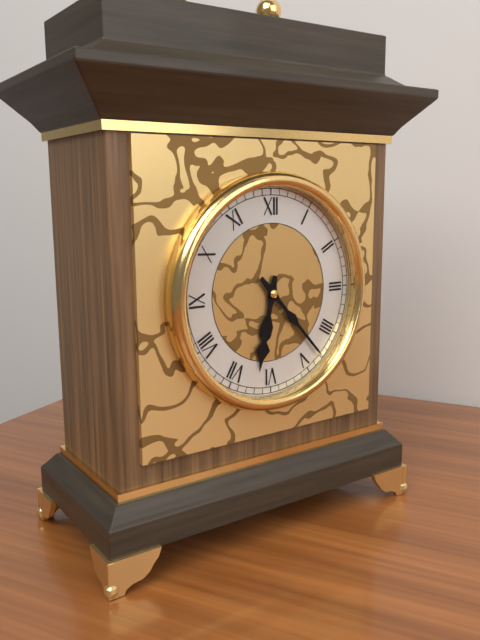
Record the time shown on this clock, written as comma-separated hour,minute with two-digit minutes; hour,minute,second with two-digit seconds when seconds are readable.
6,23
